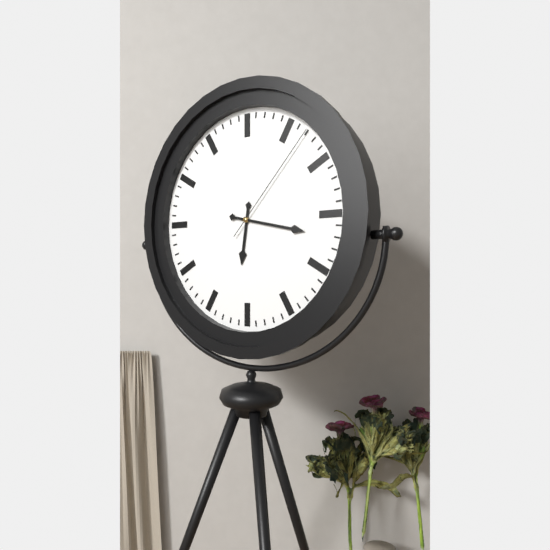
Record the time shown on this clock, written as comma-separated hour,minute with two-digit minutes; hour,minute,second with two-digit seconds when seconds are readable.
6,17,07
